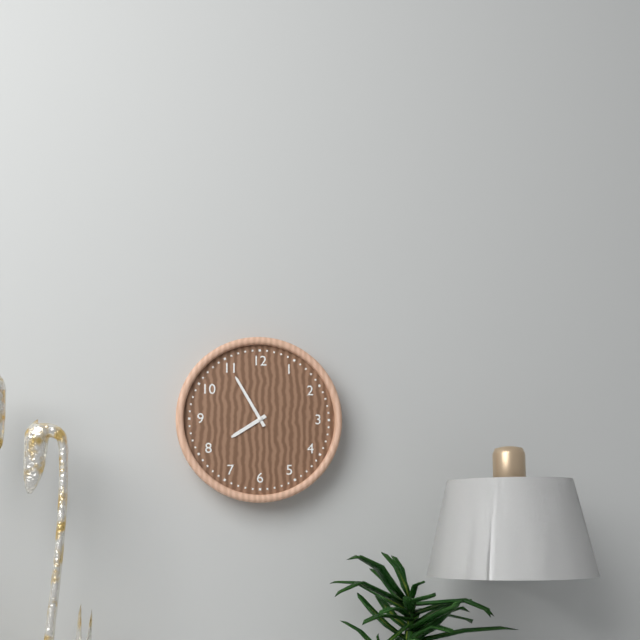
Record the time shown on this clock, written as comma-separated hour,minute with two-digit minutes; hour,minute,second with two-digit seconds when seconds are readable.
7,55
